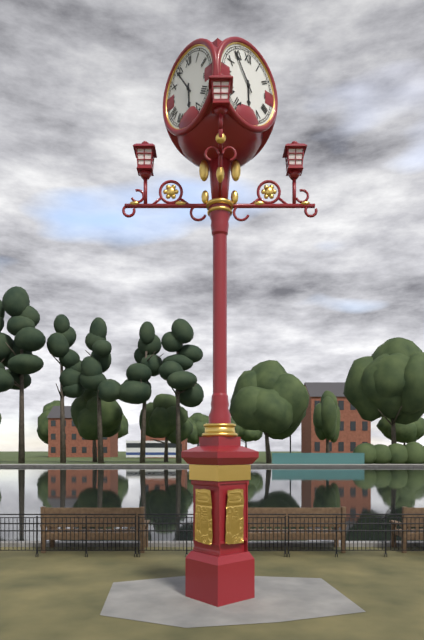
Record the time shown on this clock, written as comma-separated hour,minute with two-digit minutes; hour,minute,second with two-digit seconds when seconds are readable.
5,54
